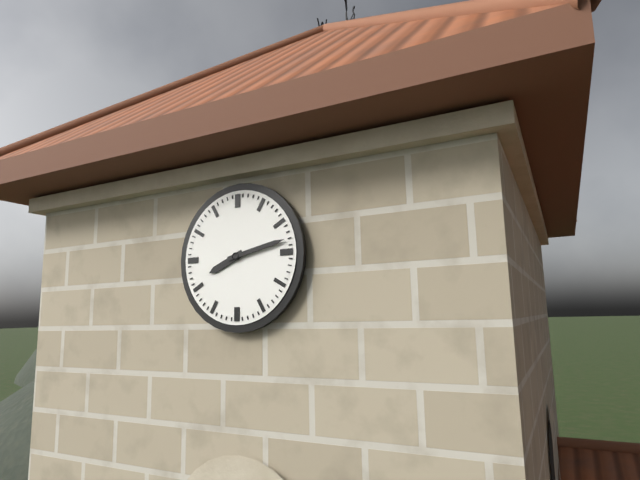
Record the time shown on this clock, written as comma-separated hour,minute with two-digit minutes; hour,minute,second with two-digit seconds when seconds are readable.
8,13
